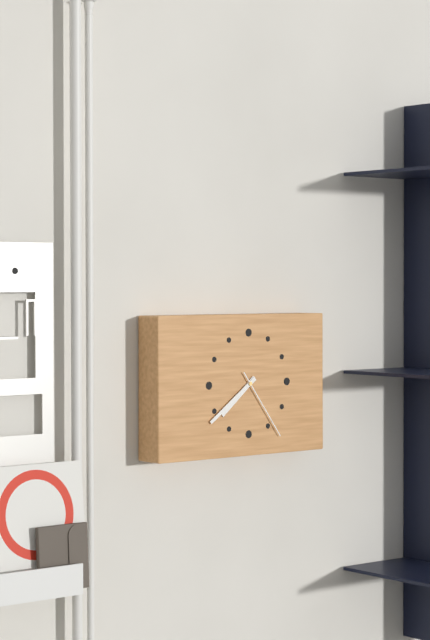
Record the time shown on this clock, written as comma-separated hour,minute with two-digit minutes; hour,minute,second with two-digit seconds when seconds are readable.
7,39,24
